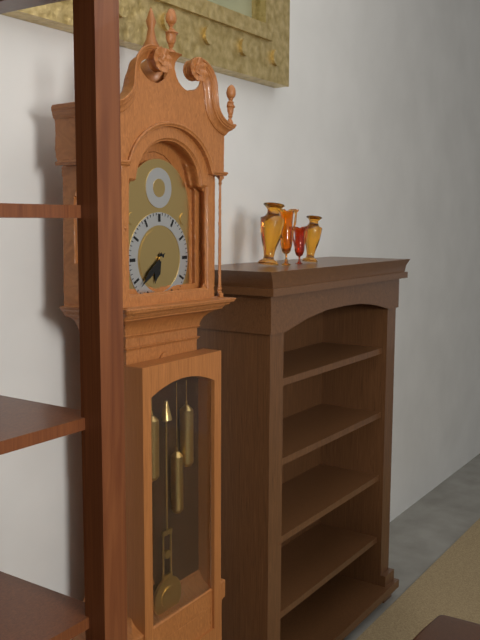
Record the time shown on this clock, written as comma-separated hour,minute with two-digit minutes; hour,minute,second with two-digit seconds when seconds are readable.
6,38
